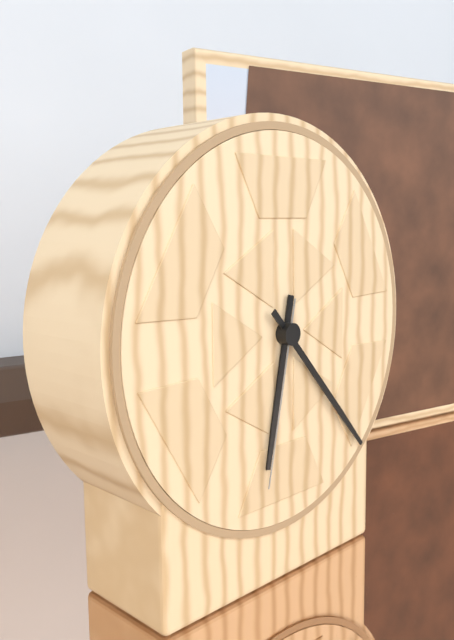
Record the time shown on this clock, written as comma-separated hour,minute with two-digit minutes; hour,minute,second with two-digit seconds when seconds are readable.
6,23,32
